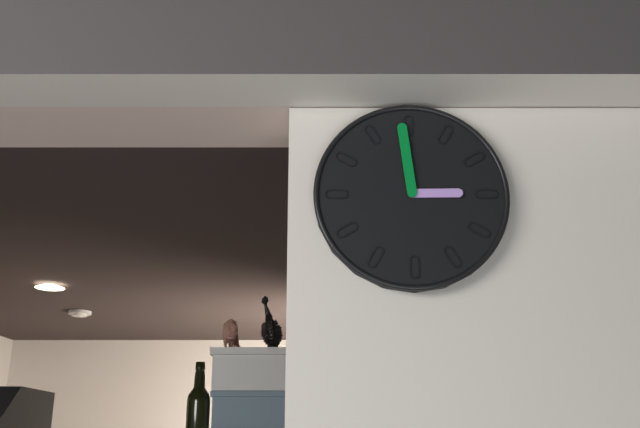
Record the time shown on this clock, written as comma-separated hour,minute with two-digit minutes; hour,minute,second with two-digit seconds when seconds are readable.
2,59
